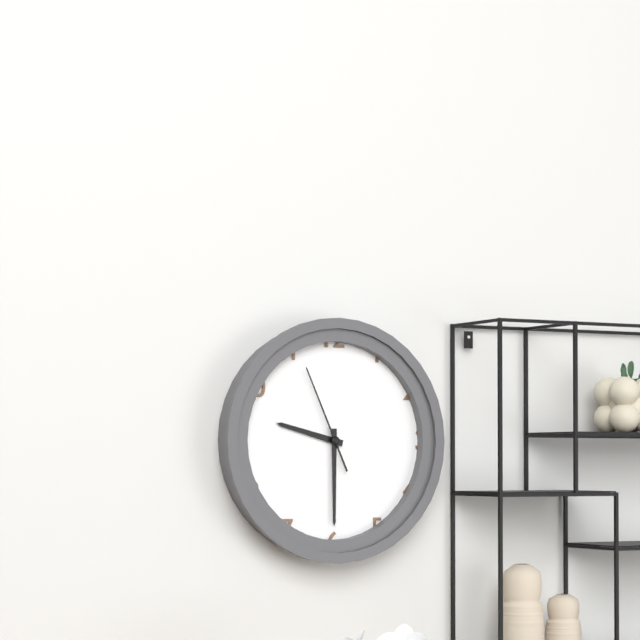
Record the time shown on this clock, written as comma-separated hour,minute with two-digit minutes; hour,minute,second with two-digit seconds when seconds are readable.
9,30,56
